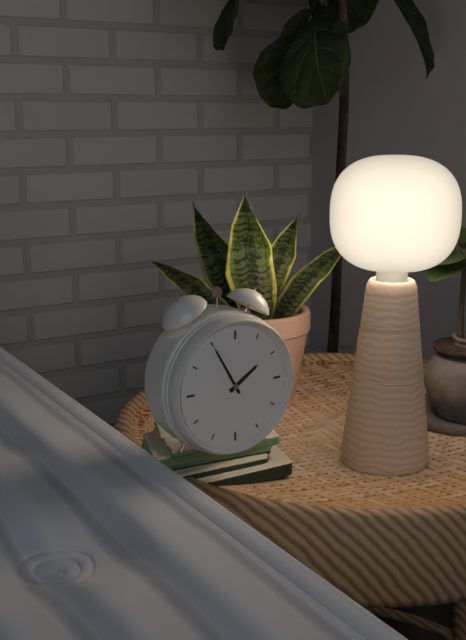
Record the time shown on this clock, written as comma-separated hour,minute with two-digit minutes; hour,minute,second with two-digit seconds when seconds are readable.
1,55
